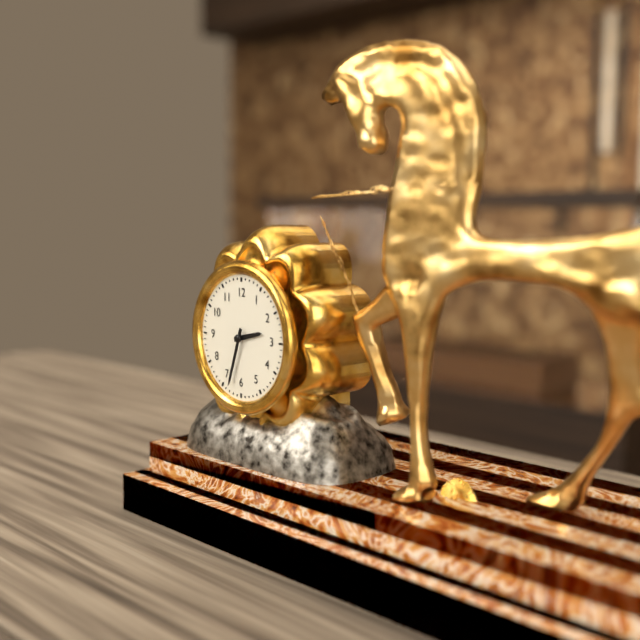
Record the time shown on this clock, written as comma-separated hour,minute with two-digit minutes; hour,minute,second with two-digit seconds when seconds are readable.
2,33
